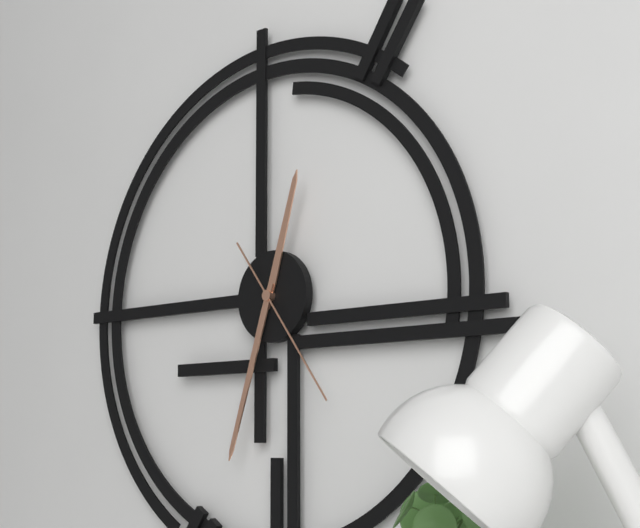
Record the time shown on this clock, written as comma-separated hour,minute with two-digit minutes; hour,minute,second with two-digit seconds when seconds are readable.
12,33,24
